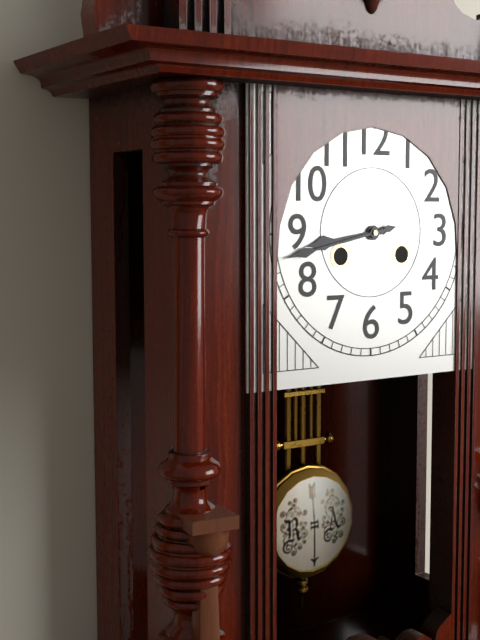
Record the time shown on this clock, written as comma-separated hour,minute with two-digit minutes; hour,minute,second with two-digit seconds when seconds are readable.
8,43
